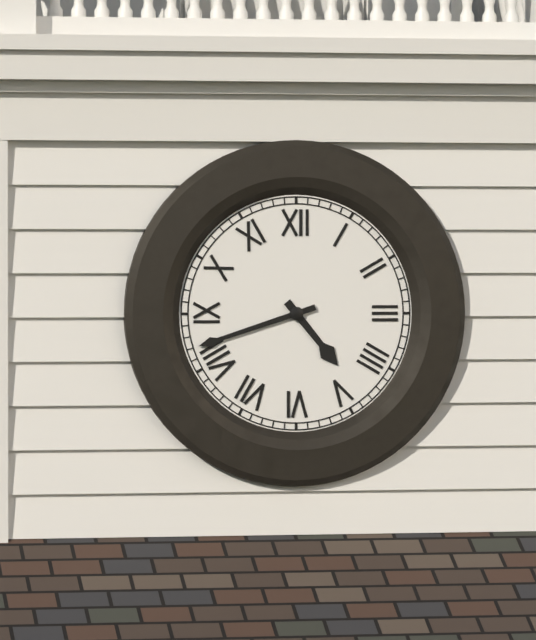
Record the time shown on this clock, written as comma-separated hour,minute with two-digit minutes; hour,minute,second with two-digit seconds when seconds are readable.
4,42
